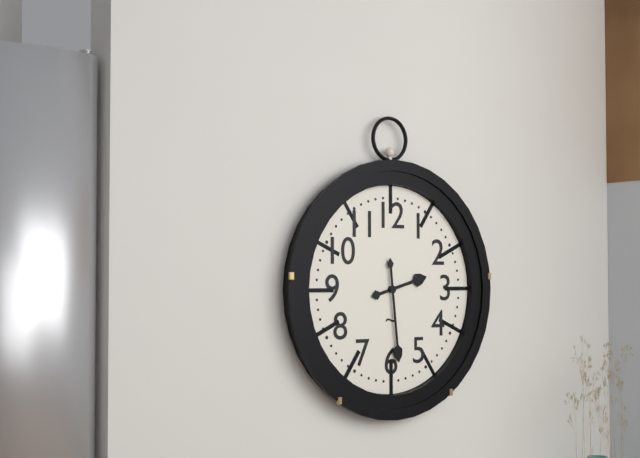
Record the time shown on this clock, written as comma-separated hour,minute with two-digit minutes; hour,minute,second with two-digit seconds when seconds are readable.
2,29
